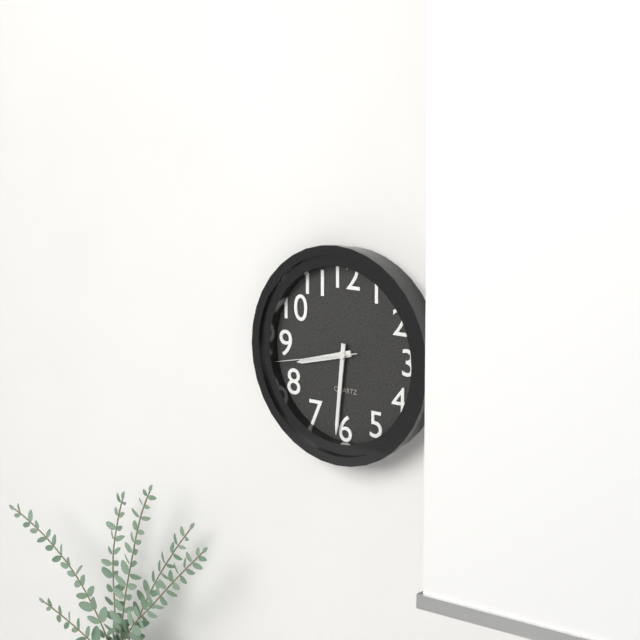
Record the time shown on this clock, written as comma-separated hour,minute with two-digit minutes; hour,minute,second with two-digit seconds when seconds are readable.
8,31,43
